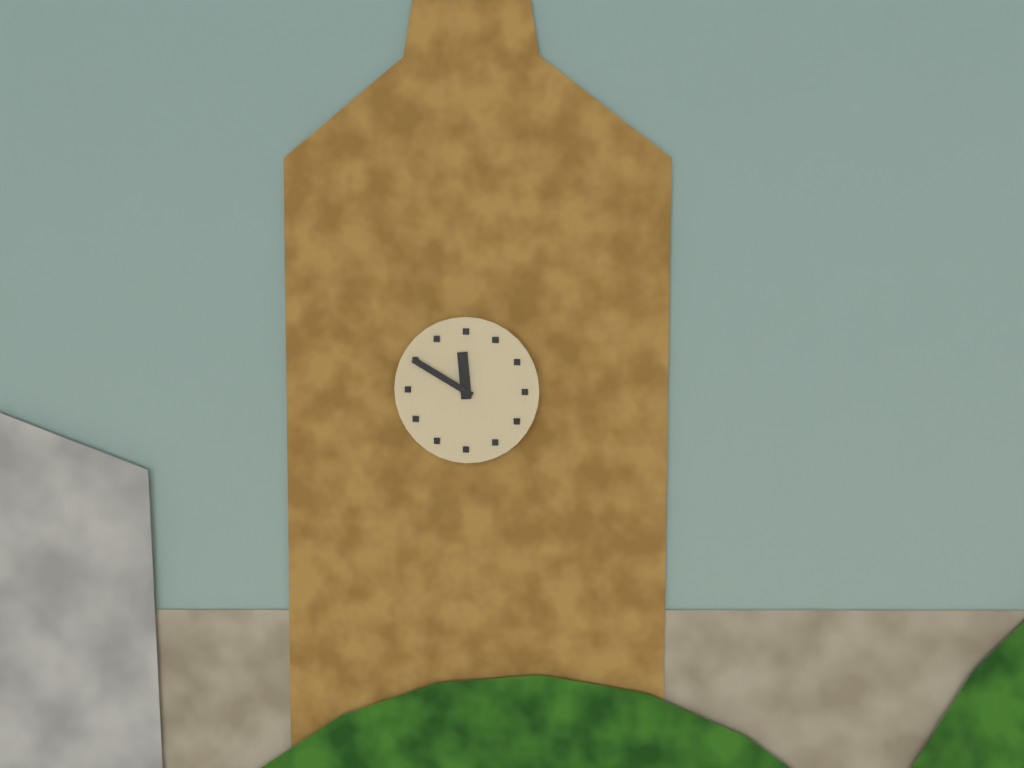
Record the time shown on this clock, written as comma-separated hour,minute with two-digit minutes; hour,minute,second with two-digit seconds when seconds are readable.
11,50
